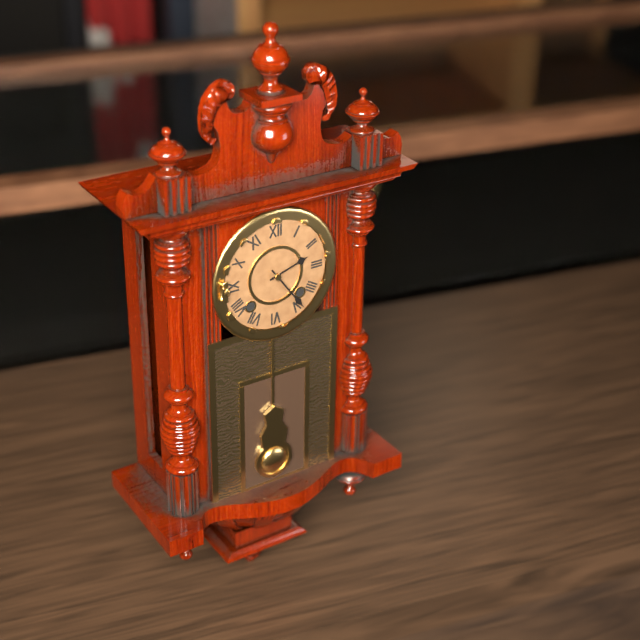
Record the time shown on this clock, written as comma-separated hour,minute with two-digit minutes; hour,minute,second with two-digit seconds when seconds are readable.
2,24
